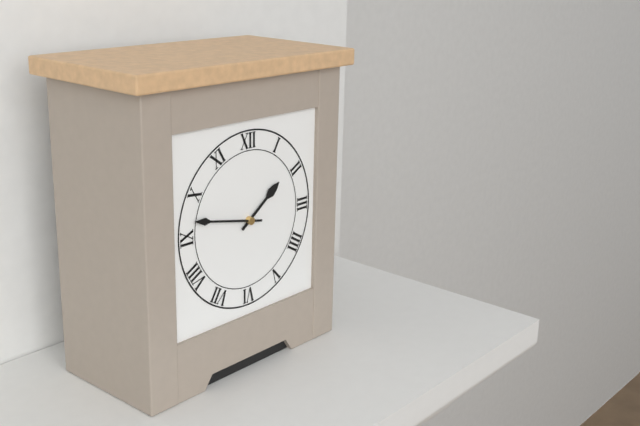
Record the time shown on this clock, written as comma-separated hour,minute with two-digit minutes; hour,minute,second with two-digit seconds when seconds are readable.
1,47
